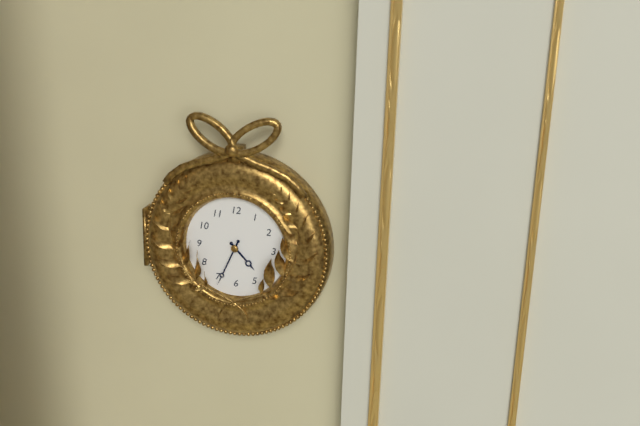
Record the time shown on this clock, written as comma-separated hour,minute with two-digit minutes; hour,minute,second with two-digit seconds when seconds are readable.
4,34
